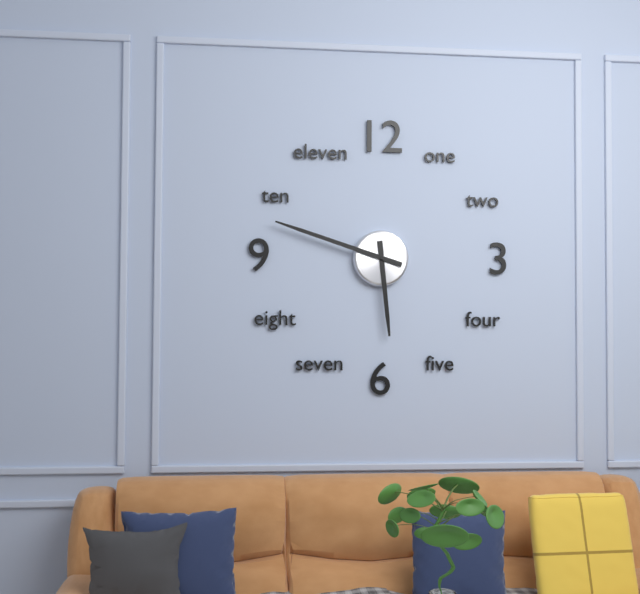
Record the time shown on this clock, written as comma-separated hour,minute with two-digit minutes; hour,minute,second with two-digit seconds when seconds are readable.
5,48
